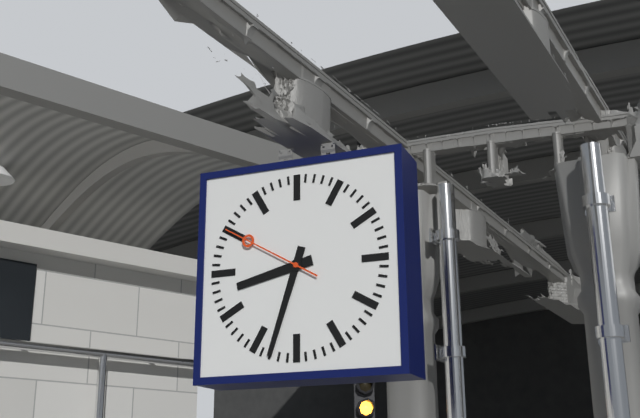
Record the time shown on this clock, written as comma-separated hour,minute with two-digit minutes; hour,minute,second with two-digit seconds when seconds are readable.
8,33,50
